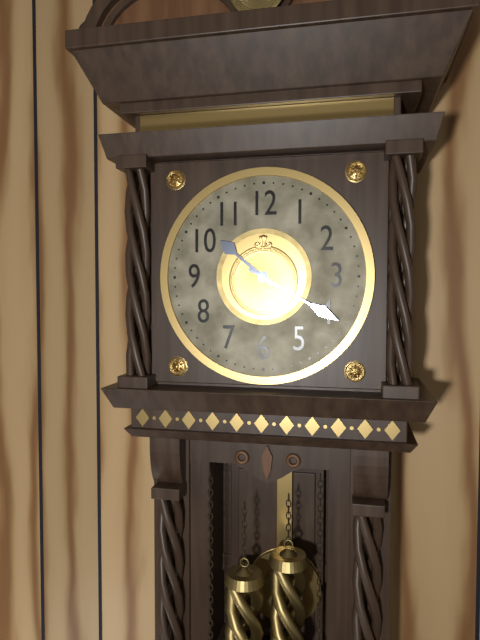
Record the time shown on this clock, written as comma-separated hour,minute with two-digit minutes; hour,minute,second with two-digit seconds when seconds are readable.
10,20
